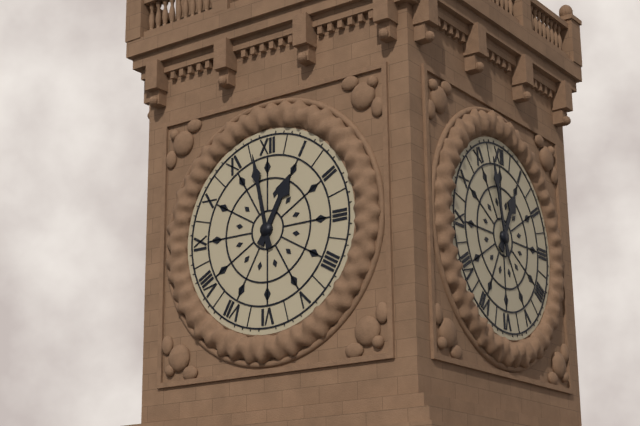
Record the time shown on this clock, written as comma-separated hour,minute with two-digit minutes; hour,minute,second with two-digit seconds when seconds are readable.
12,58
